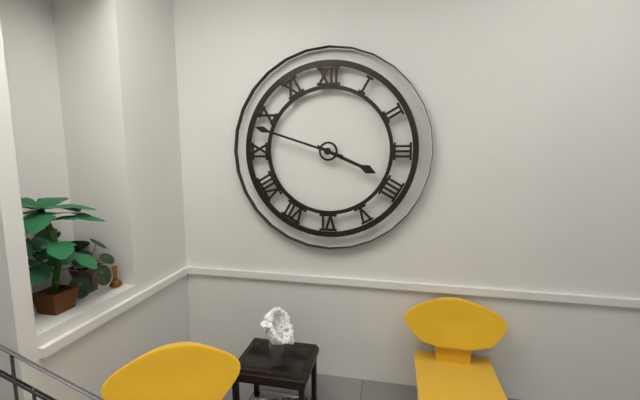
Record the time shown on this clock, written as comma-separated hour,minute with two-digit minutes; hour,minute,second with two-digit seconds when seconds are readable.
3,48
